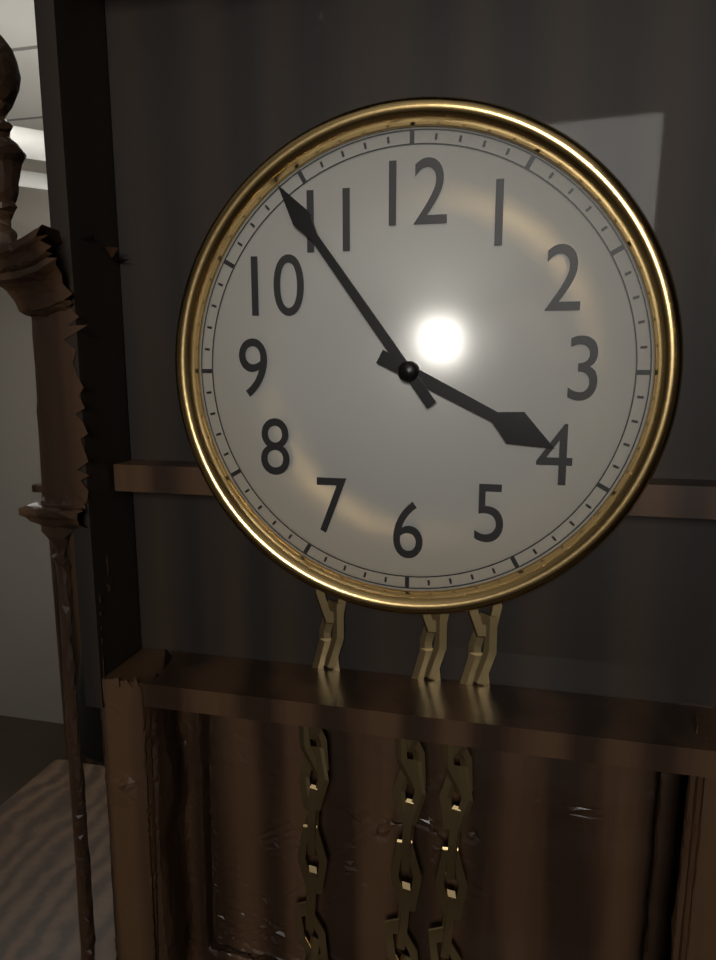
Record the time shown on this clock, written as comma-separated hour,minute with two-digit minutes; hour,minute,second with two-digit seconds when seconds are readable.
3,54
